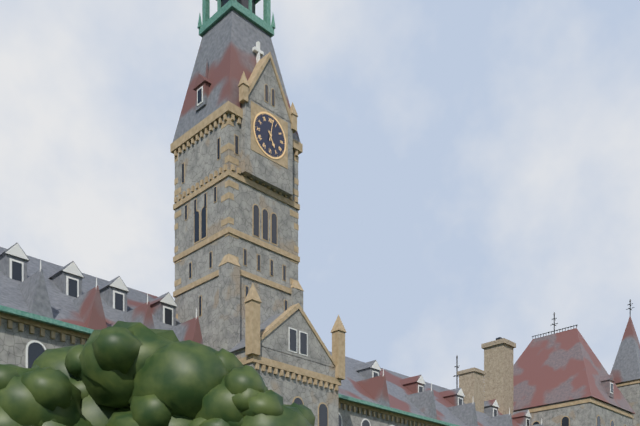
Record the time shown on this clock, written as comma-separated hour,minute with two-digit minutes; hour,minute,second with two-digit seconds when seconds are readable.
5,02
